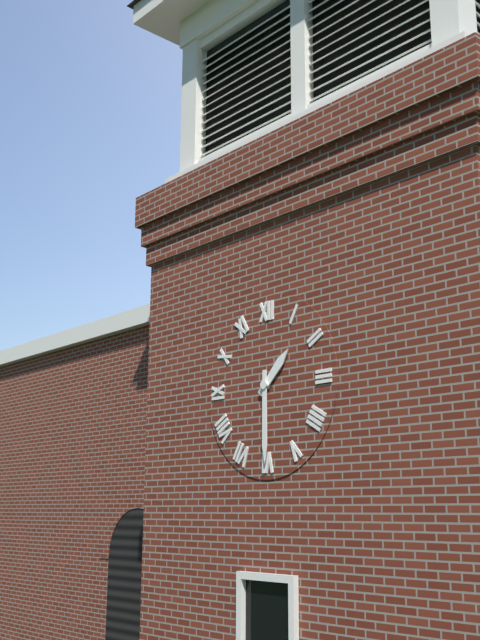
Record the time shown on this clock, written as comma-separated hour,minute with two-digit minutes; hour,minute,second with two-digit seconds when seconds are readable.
1,30
